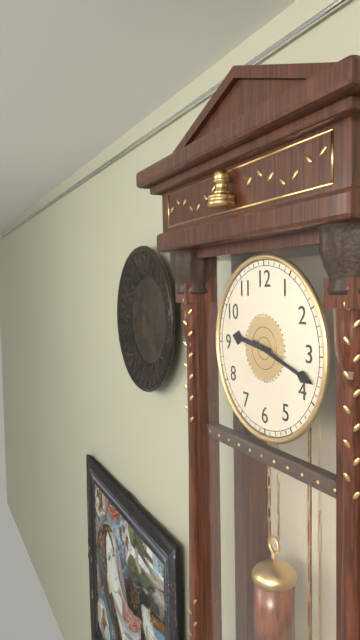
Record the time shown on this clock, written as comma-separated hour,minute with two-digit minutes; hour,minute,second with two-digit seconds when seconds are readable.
9,18
